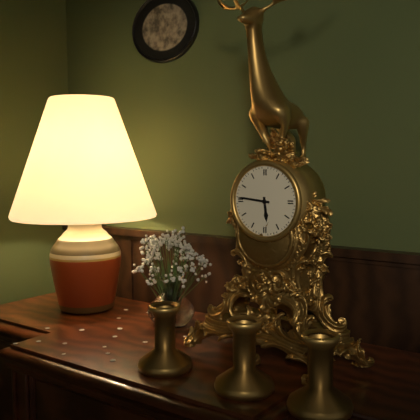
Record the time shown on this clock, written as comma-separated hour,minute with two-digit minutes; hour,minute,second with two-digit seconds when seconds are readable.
5,46
